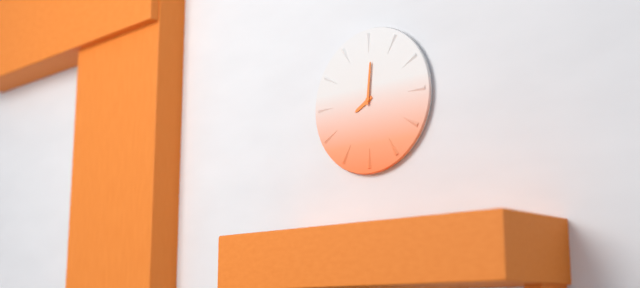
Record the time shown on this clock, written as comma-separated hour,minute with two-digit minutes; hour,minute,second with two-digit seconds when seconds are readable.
8,01
